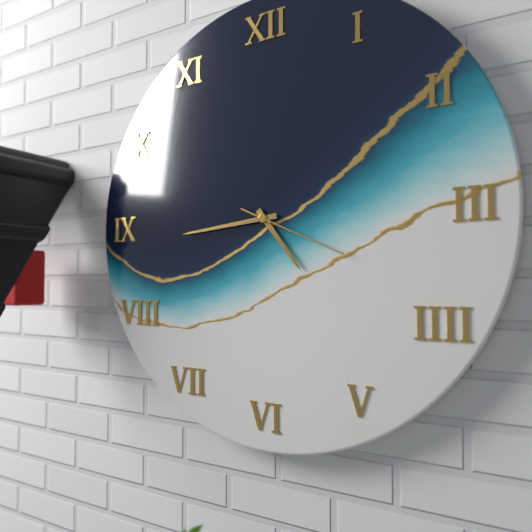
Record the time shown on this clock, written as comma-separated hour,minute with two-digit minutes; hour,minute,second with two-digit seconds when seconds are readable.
4,44,19
